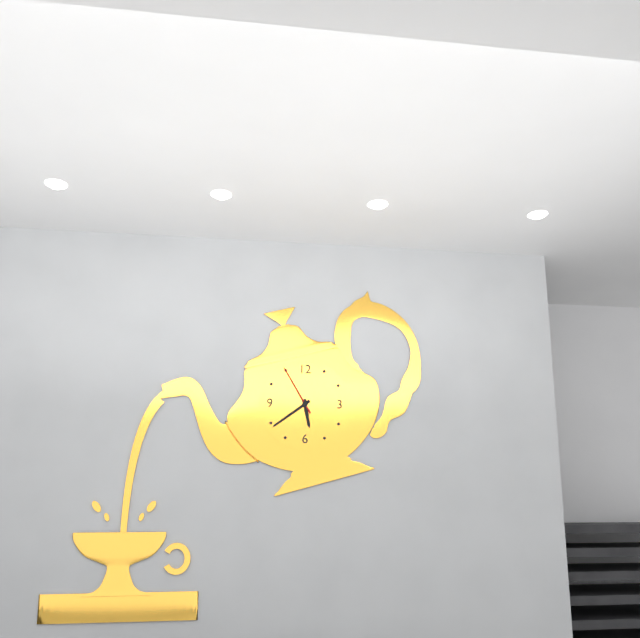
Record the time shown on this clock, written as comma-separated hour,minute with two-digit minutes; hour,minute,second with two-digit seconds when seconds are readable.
5,39,55
